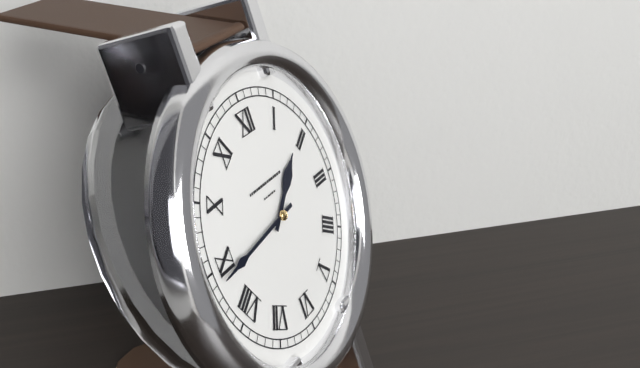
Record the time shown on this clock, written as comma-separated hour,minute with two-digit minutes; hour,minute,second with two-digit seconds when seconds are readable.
1,44
